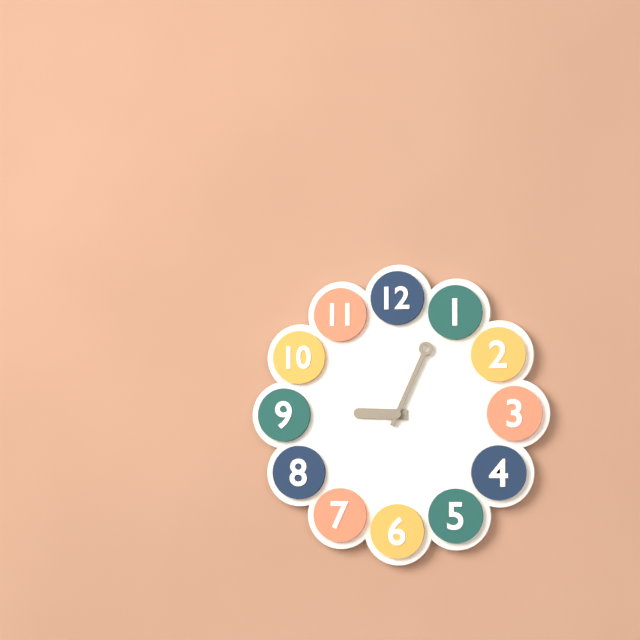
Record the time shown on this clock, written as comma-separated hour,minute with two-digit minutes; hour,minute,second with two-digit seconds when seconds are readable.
9,04
